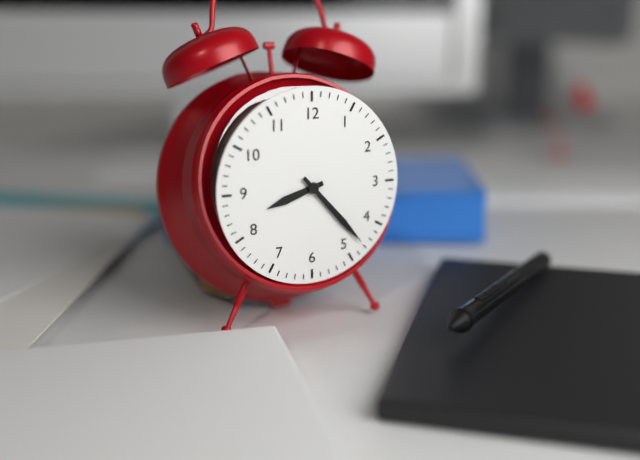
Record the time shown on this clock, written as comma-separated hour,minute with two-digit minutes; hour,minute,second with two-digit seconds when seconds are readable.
8,23
